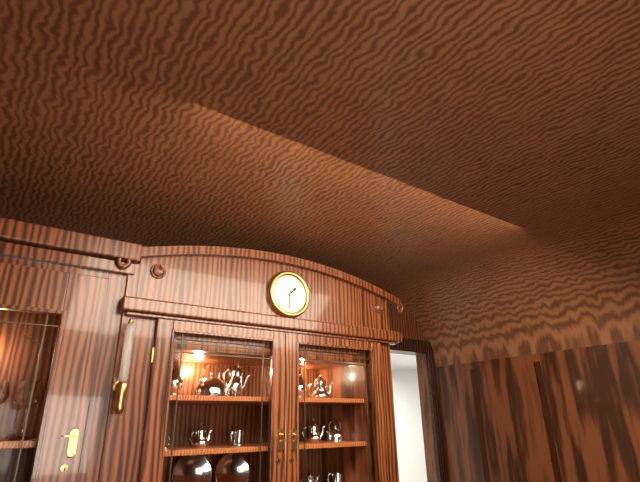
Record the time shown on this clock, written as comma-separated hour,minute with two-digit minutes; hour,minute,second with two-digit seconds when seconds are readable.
1,31
